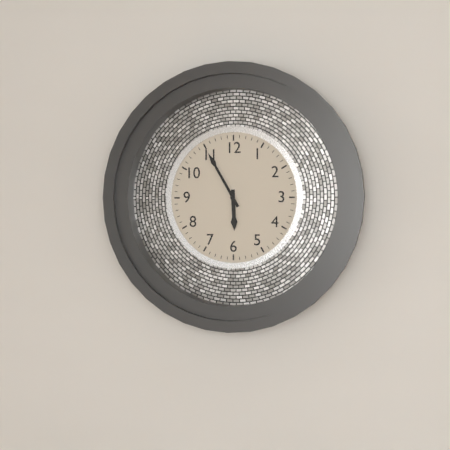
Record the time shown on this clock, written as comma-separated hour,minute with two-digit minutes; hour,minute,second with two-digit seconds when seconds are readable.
5,55
